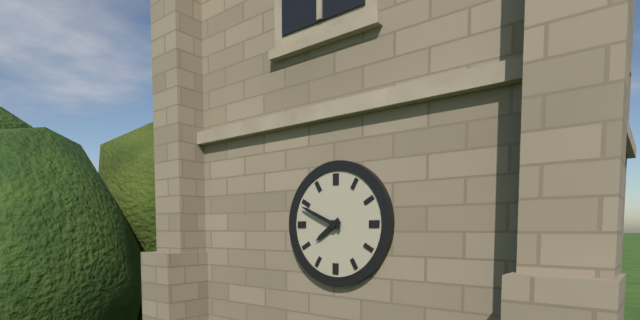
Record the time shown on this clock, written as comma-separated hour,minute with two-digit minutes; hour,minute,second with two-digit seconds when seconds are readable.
7,49
